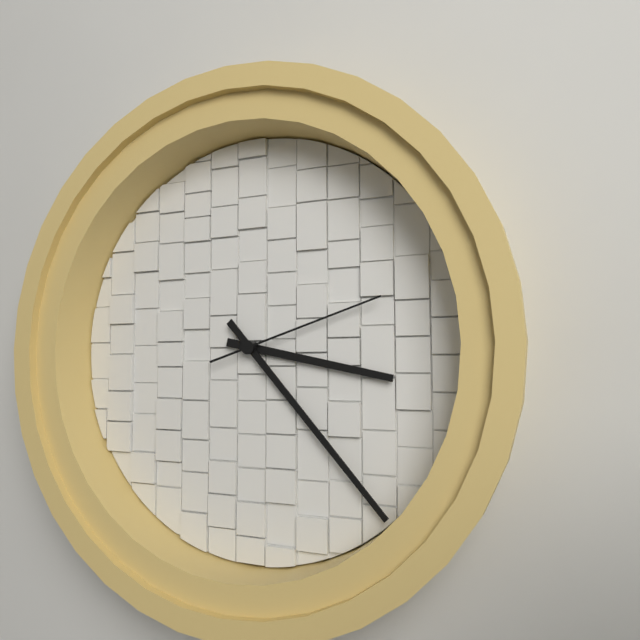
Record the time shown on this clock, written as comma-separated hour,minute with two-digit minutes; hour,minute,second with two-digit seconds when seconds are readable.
3,23,12
